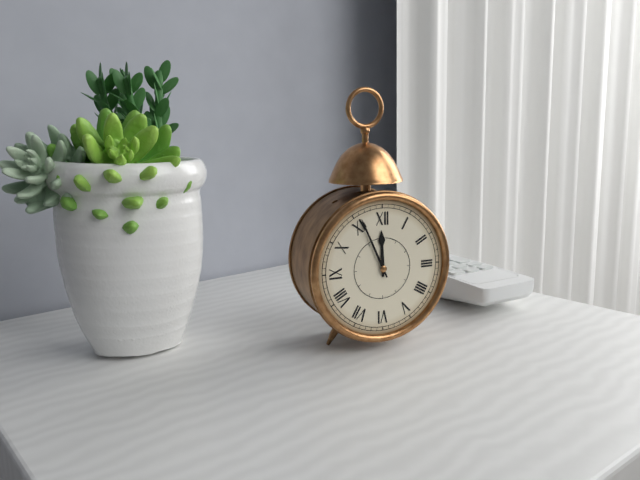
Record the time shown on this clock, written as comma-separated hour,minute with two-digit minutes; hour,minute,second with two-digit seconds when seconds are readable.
11,56
